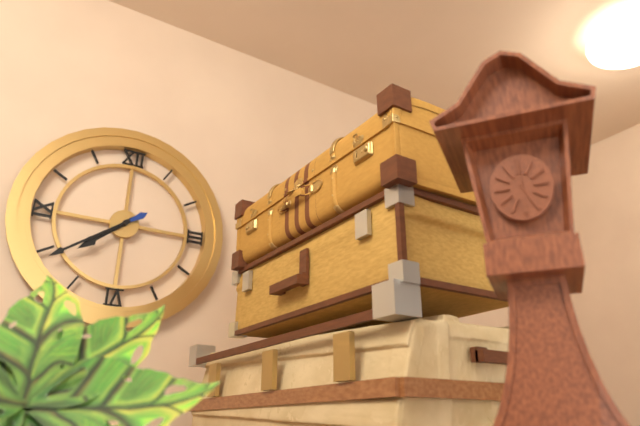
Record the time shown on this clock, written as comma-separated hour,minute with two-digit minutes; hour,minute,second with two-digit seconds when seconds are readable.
7,39
